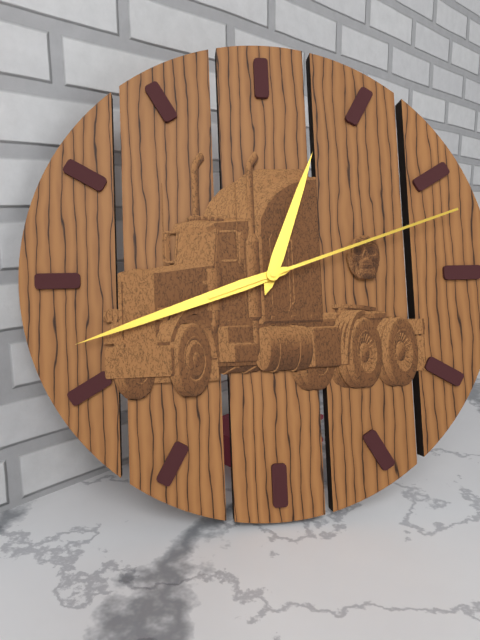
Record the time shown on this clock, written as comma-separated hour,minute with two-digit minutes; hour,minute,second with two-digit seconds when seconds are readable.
12,42,12
